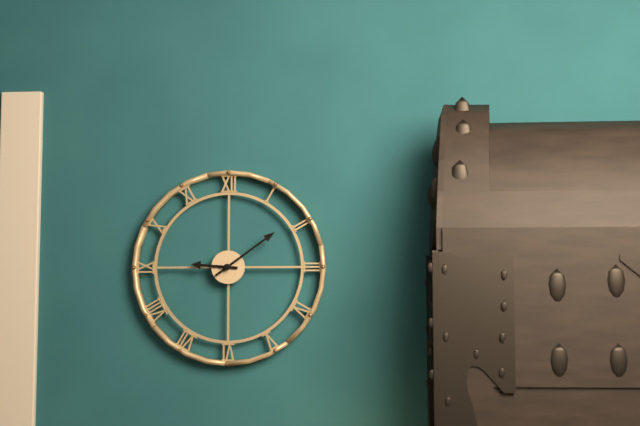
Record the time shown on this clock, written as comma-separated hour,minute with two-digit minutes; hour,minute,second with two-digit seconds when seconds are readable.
9,09
